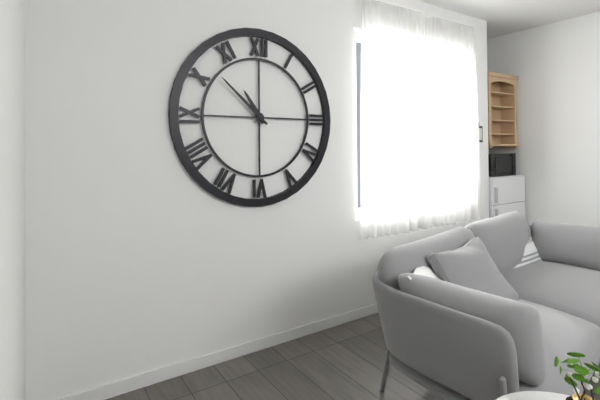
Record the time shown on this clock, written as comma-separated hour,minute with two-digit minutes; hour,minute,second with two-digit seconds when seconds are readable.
10,52
